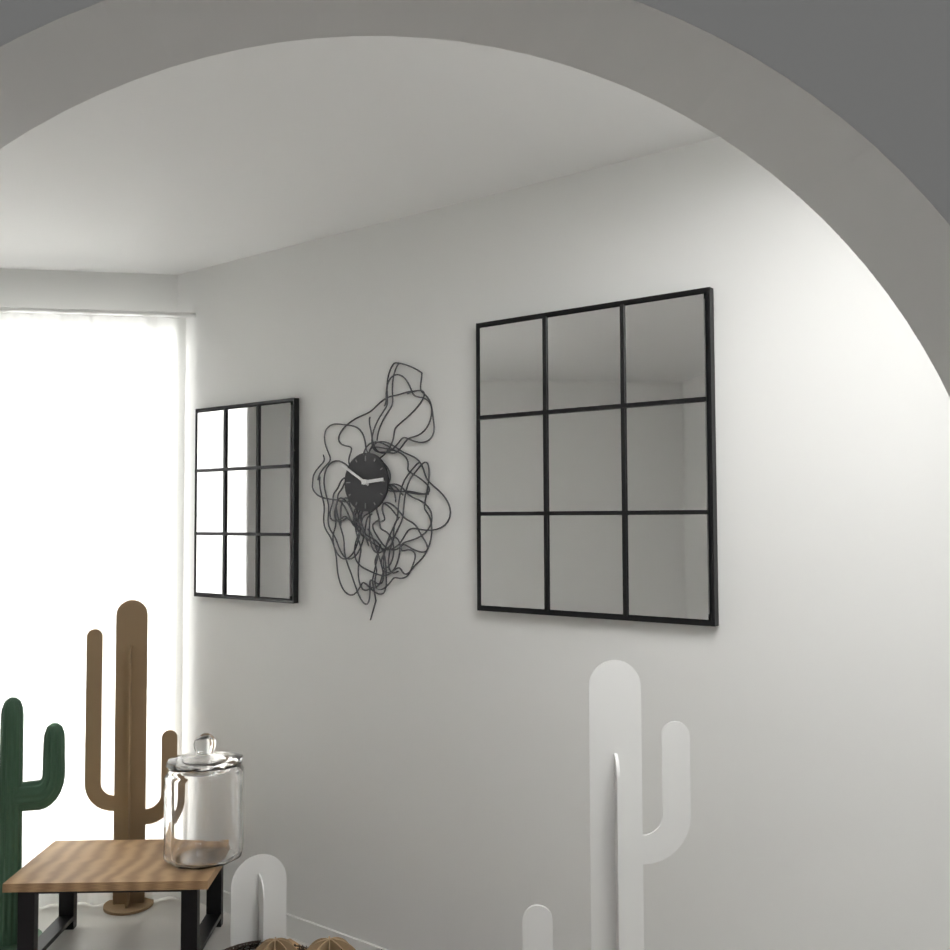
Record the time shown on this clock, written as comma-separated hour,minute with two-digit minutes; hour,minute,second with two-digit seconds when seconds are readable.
2,50
